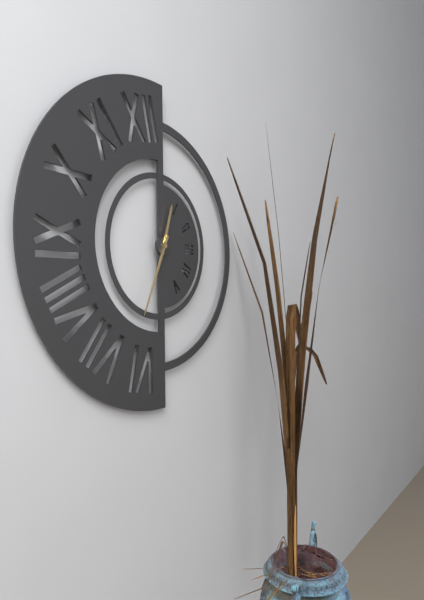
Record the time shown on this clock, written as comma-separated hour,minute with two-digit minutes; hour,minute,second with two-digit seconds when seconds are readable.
12,34
